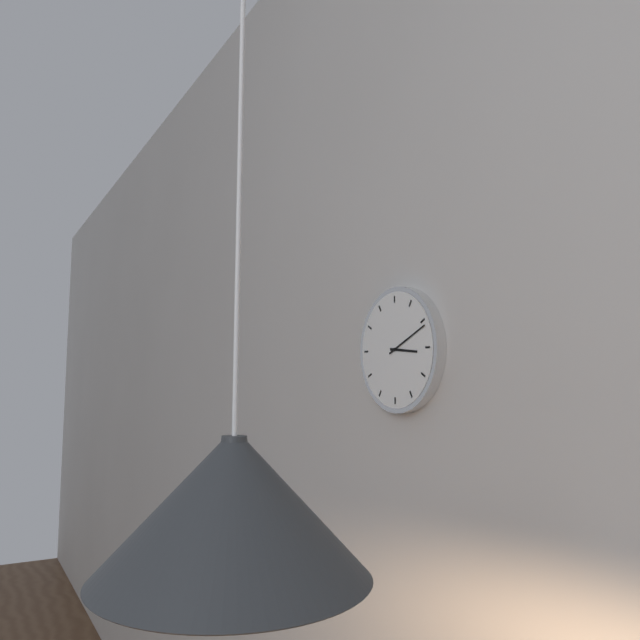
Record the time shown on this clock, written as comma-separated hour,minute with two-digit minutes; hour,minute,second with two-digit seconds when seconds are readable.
3,11
